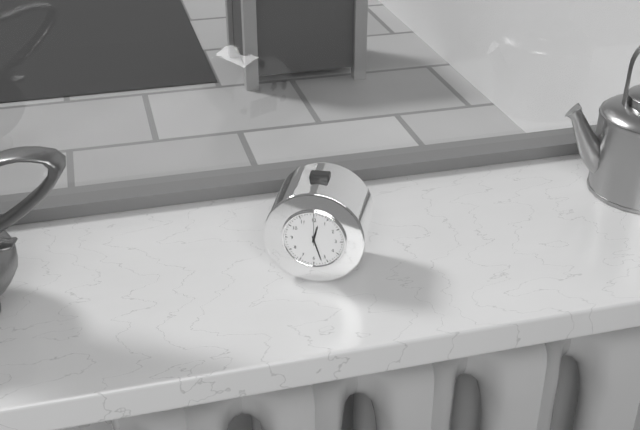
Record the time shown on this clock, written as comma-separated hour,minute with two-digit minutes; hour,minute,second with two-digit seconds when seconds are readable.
12,27
